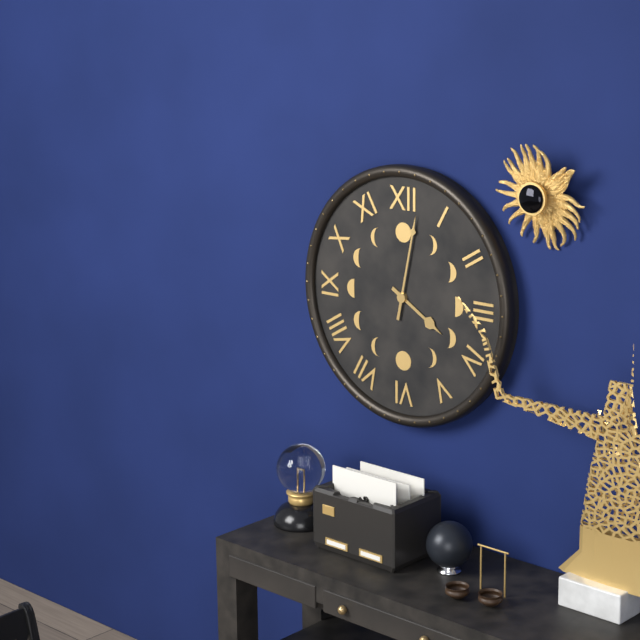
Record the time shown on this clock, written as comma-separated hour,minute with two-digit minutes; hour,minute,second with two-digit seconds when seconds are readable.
4,02
